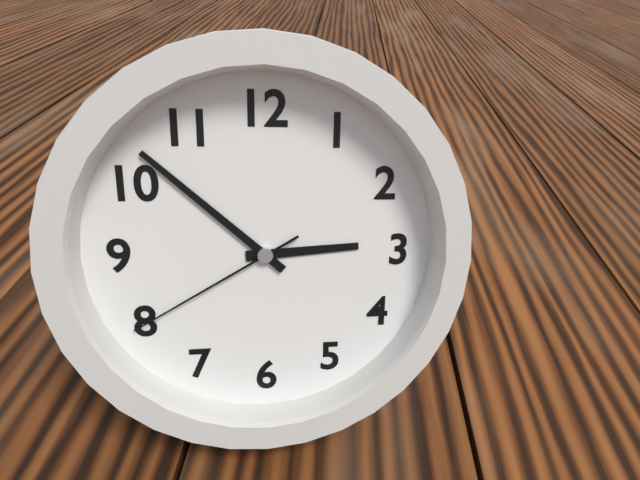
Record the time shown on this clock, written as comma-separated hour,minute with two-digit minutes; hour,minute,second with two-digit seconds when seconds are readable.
2,52,40
